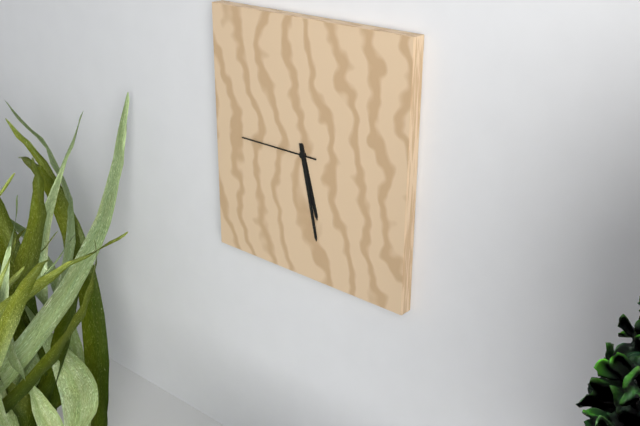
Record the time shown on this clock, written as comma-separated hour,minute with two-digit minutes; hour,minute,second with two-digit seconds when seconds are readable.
5,28,45
